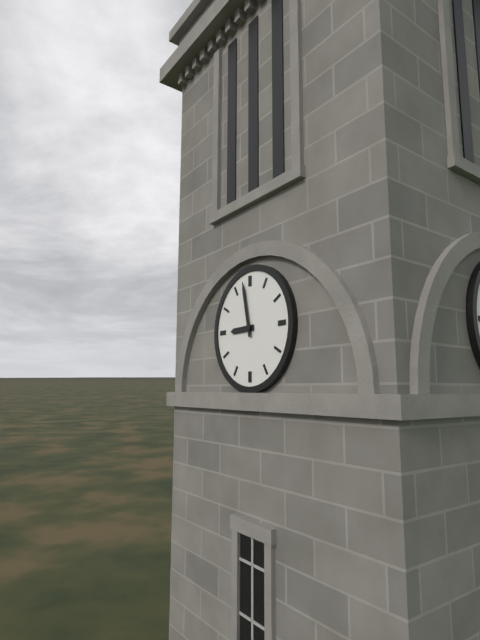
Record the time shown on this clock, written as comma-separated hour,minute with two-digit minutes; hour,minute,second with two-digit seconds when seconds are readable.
8,58
